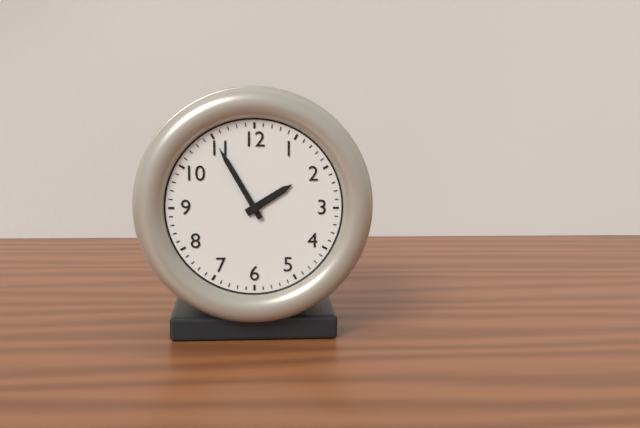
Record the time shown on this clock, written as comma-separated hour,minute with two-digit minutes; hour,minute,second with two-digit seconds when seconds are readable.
1,55
